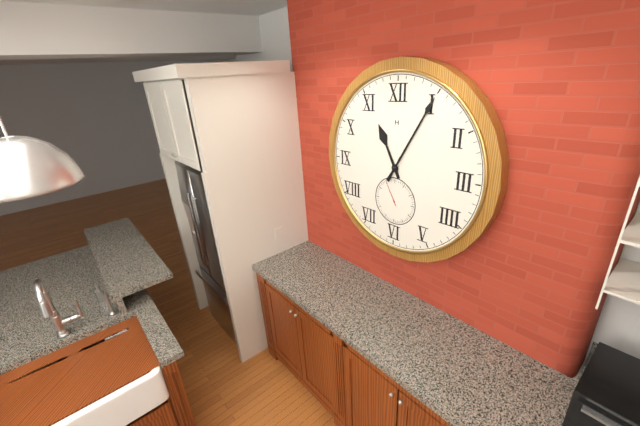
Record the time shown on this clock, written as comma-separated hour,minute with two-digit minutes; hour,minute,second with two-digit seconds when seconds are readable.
11,05
